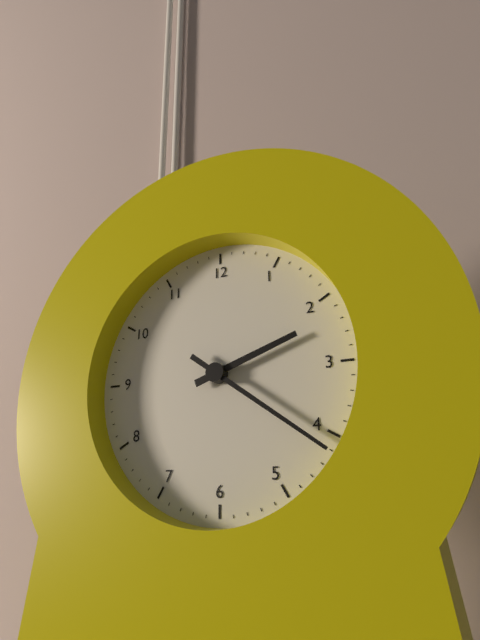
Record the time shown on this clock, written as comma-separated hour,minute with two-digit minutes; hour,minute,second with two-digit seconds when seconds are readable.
2,21
